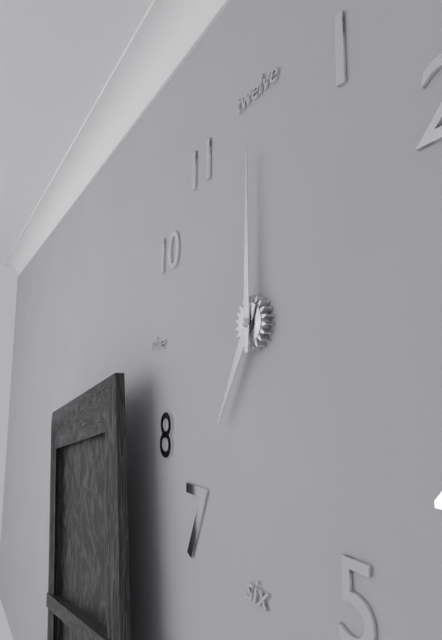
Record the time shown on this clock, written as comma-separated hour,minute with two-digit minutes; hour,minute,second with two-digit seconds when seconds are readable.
7,00
